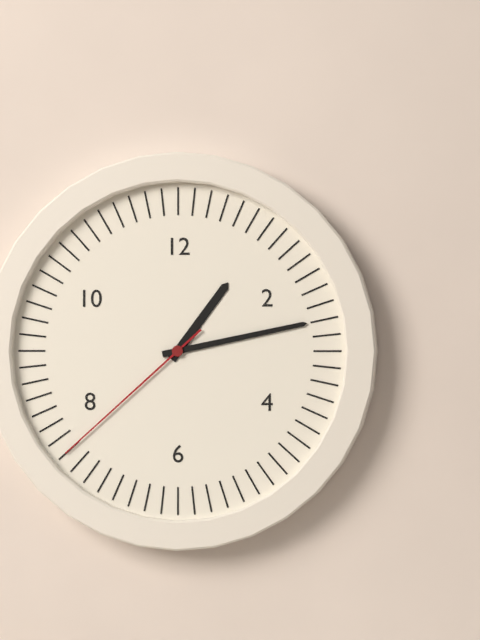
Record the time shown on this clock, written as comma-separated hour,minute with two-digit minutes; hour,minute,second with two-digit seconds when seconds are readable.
1,13,38
